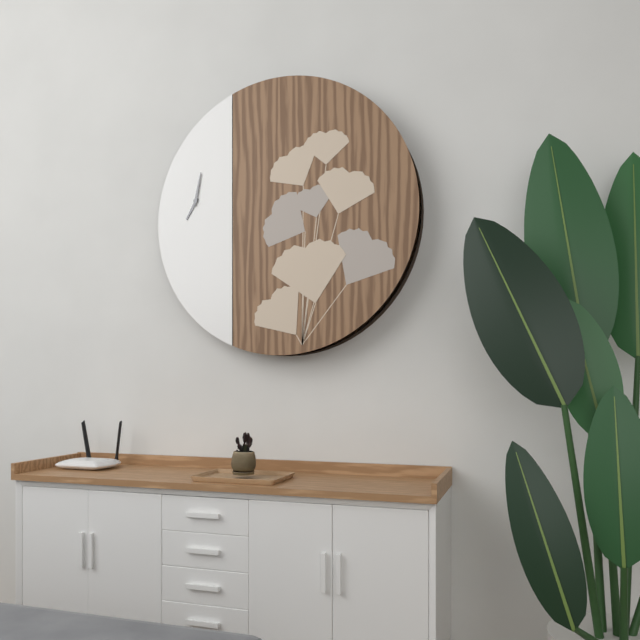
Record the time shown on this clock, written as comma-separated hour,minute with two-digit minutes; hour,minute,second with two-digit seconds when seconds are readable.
7,02
